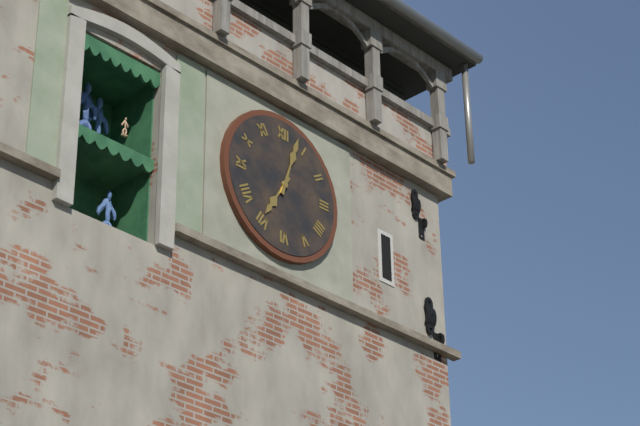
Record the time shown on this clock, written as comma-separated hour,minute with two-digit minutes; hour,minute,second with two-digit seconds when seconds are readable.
7,03
